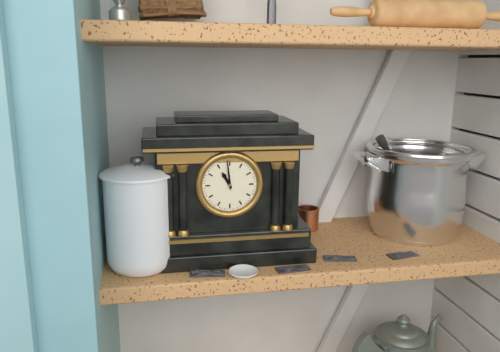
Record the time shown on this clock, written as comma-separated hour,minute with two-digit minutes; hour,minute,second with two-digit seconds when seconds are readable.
10,59
